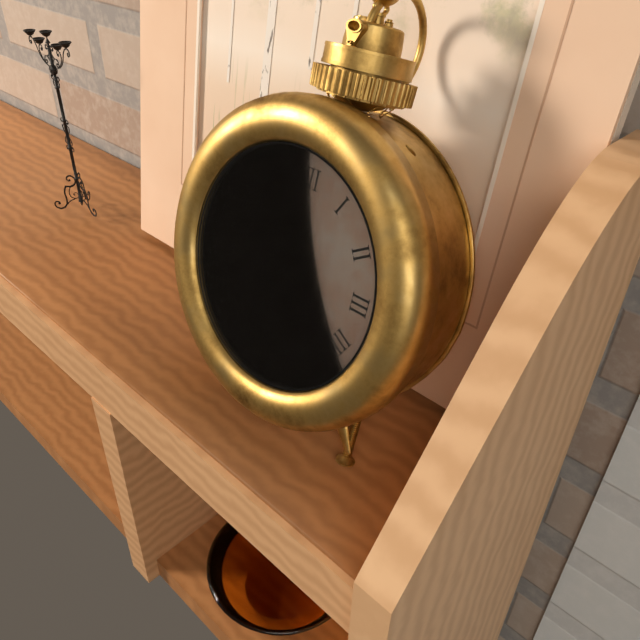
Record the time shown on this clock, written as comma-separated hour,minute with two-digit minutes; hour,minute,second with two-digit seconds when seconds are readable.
7,21,46
